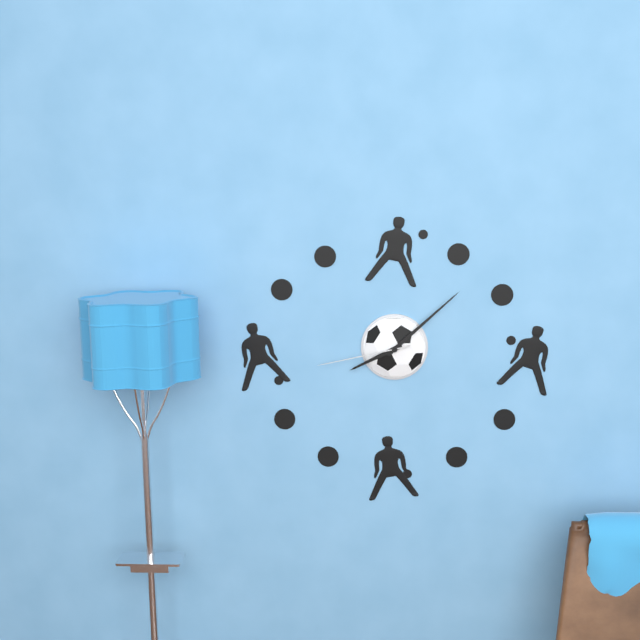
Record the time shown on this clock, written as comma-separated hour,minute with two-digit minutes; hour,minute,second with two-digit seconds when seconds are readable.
8,08,43
